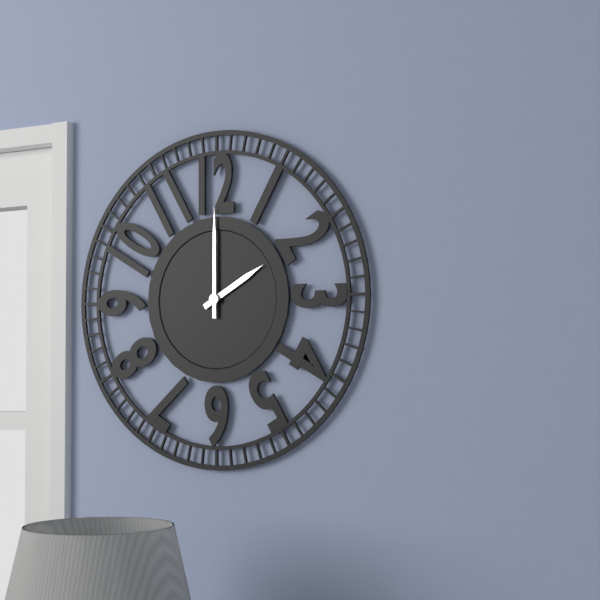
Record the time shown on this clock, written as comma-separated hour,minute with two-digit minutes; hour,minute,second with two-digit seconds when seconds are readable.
2,00
